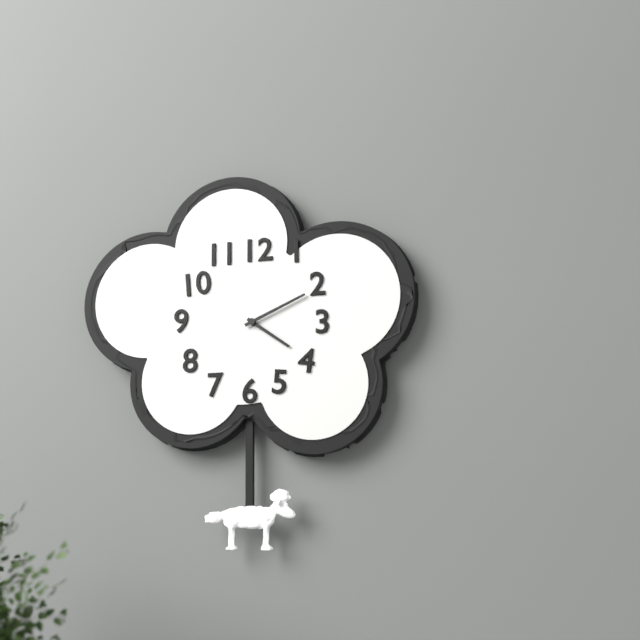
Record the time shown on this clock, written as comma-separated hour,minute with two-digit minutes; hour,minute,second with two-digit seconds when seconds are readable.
4,11
